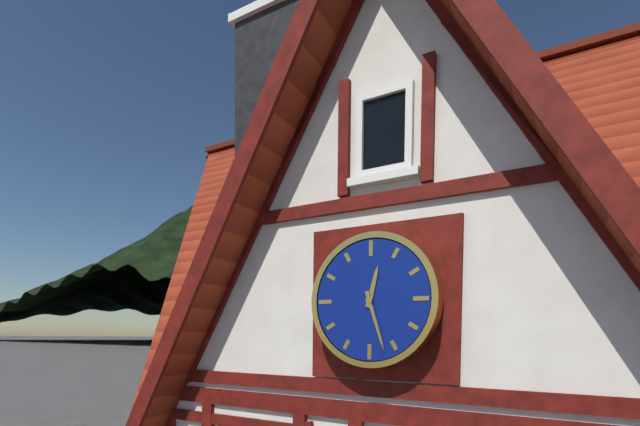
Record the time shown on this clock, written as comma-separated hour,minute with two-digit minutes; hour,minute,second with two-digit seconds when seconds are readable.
12,27
